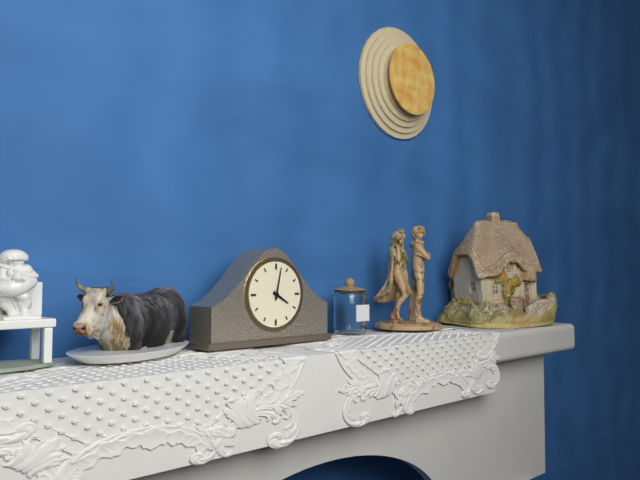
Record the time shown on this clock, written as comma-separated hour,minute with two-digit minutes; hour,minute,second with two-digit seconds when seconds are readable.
4,02
